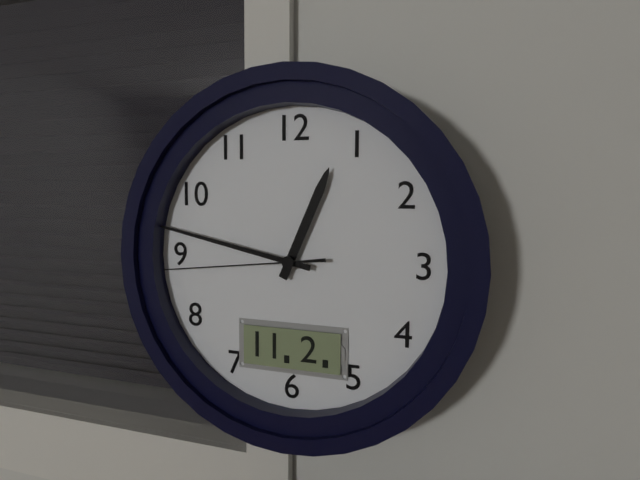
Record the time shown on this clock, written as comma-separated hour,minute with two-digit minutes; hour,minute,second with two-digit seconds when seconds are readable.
12,47,44
